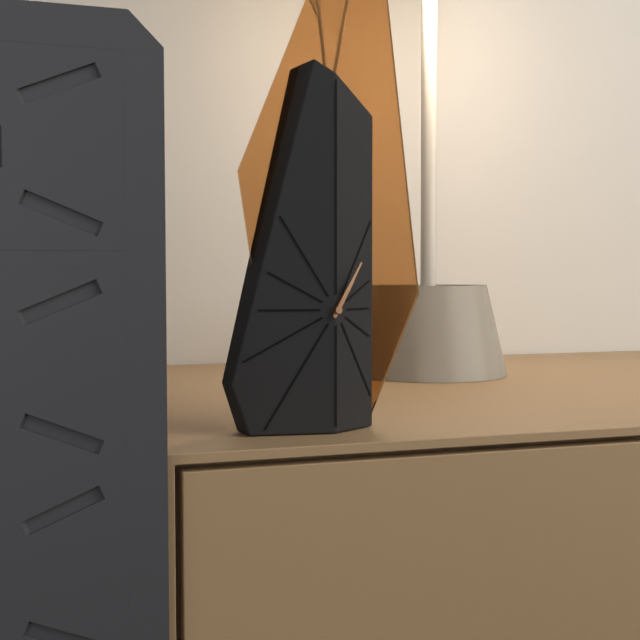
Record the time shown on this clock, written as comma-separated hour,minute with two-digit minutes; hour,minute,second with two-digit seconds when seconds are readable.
1,05
